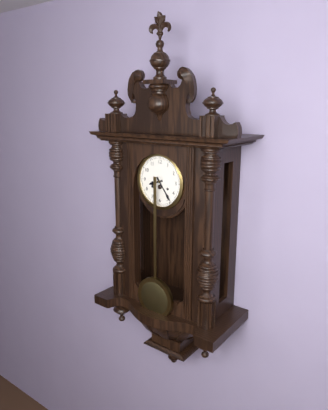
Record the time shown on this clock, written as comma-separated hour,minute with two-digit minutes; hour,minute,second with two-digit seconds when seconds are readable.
8,24
